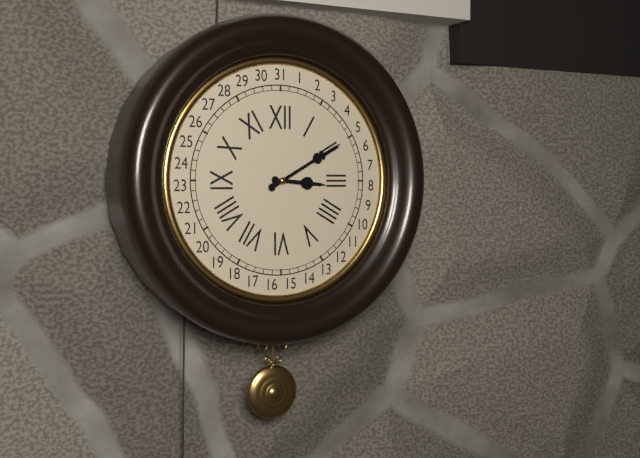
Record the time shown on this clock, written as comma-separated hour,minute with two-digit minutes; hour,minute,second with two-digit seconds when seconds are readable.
3,10
